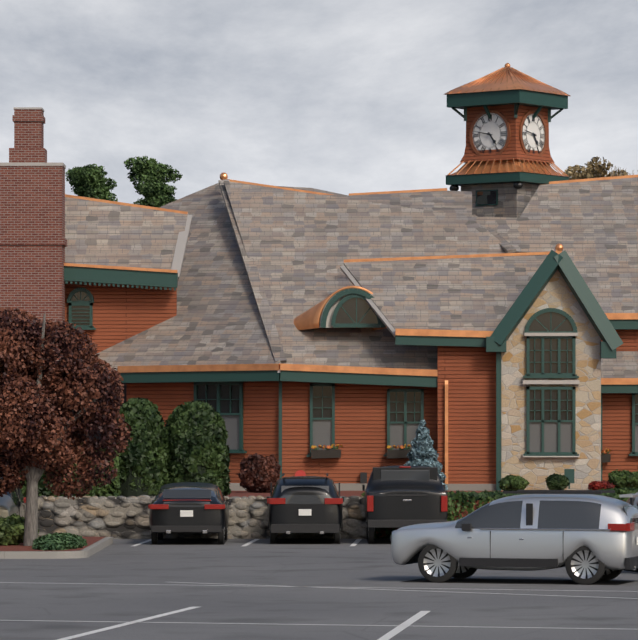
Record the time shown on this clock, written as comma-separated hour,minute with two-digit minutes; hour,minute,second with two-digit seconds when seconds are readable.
4,47
